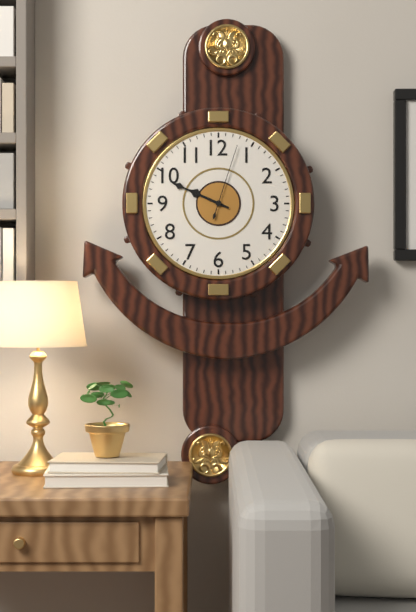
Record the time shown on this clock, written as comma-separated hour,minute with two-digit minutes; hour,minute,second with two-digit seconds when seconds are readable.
9,49,03
